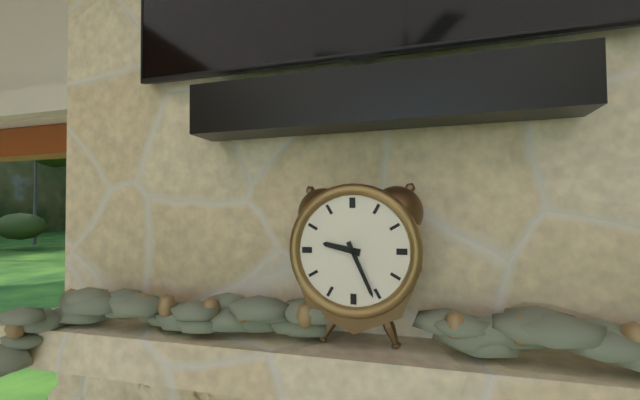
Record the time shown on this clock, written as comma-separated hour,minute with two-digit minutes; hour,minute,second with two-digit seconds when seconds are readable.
9,26
